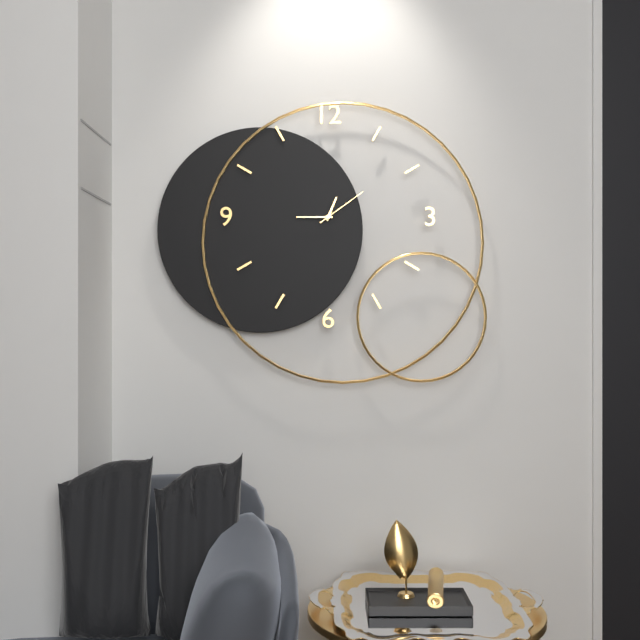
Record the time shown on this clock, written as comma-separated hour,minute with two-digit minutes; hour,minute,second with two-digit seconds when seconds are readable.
12,45,09
